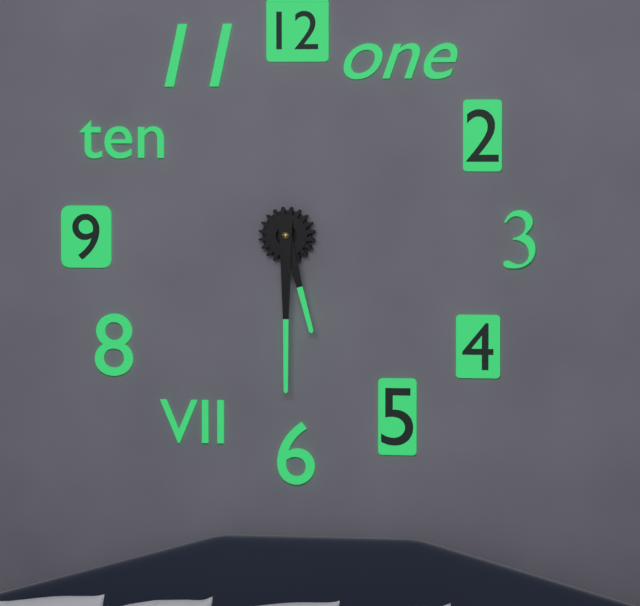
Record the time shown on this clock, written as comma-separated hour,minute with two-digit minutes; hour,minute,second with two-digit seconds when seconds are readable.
5,30
